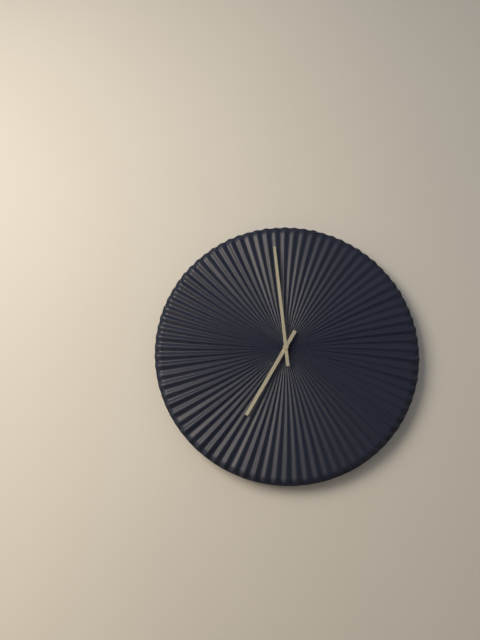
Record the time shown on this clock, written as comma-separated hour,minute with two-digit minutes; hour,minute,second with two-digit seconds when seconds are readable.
6,59
